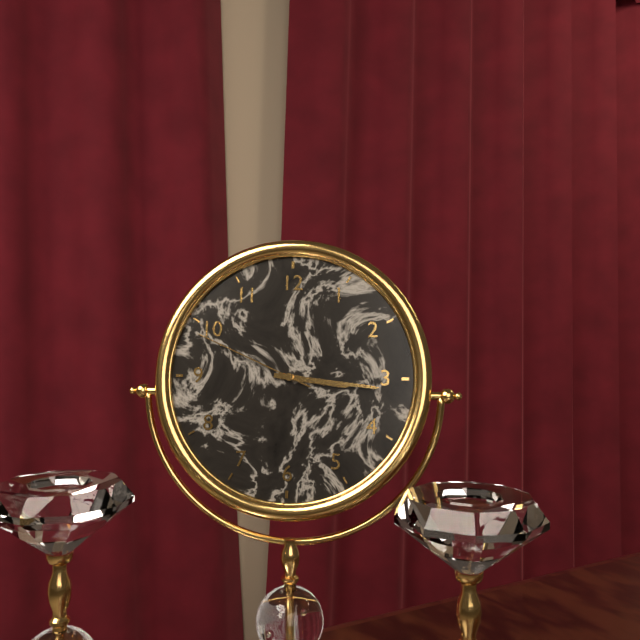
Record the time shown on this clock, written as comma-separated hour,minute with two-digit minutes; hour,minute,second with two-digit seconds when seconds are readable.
3,16,49
